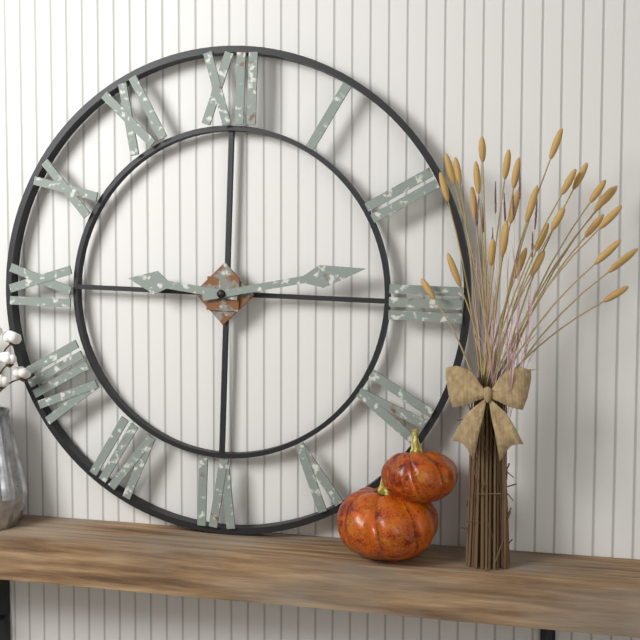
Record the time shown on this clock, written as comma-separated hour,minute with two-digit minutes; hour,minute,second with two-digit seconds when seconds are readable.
9,13
